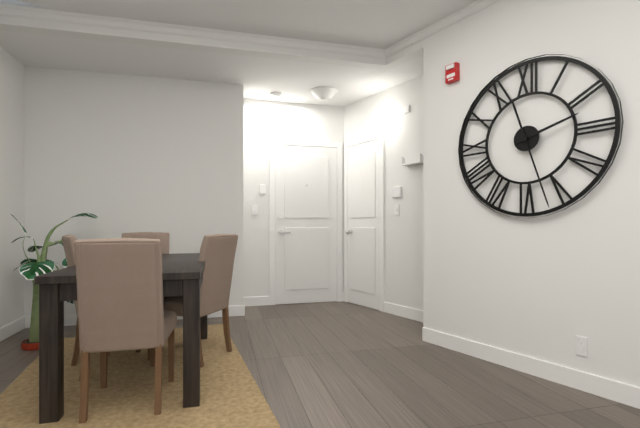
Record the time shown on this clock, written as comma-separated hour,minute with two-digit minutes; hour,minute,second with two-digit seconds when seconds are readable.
2,27
